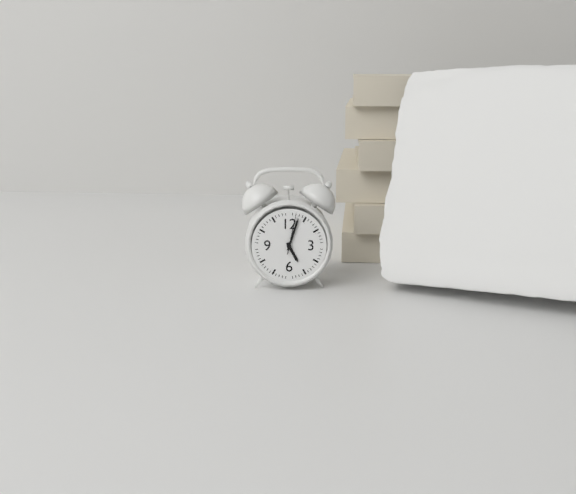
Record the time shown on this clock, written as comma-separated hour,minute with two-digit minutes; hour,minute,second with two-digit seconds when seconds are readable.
5,03
